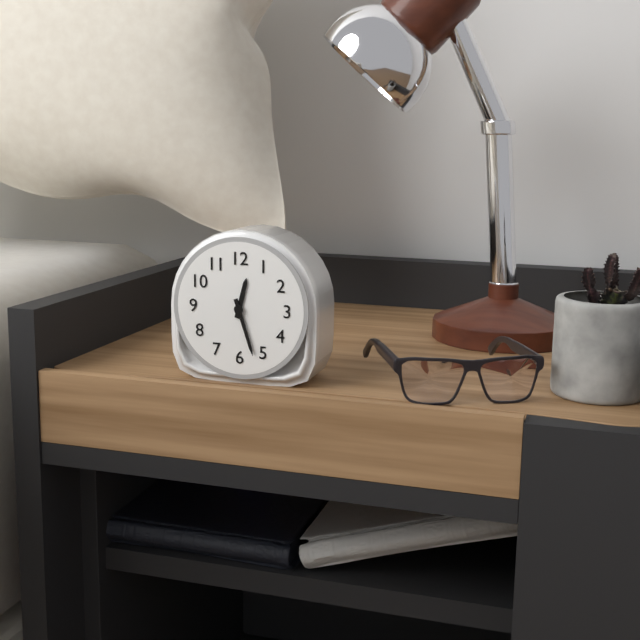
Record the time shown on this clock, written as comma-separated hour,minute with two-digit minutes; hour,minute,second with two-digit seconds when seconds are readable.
12,27
